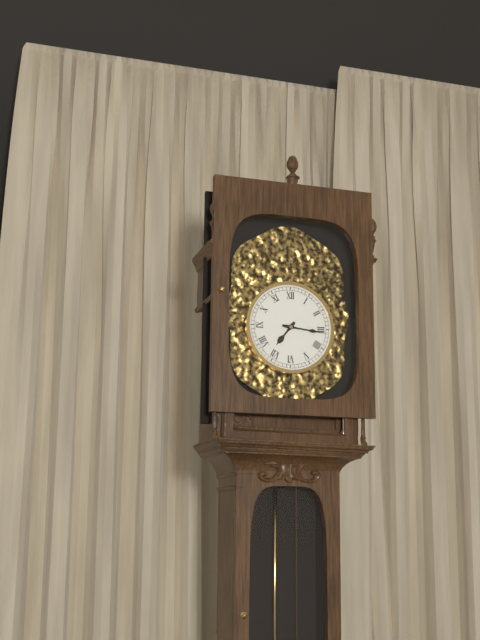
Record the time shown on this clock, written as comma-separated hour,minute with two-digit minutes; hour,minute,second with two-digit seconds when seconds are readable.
7,16
